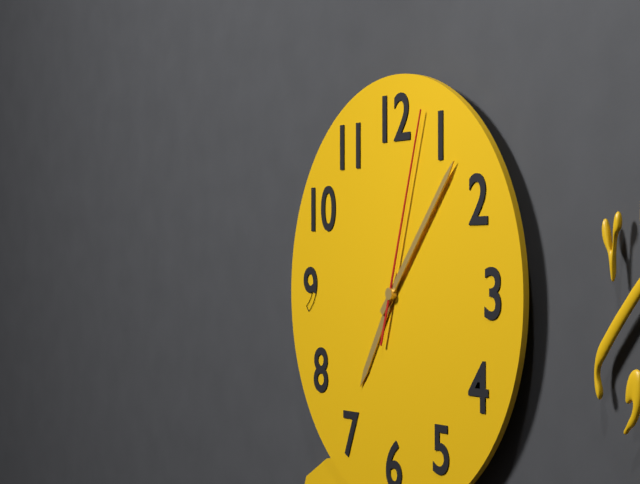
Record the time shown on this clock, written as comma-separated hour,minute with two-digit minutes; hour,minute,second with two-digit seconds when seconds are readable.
7,07,03
